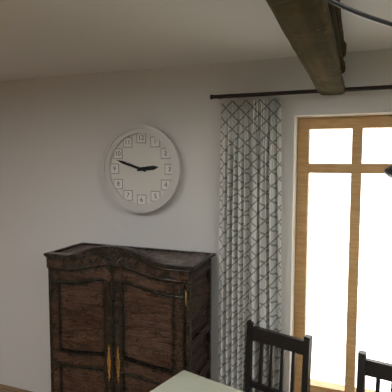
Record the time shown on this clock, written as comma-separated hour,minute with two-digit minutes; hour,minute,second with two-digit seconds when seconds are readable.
2,48
